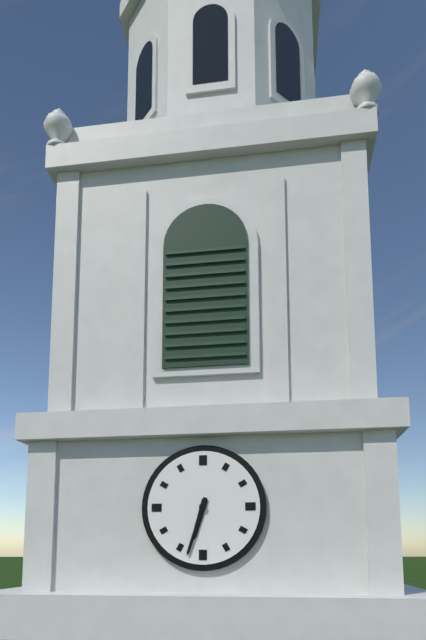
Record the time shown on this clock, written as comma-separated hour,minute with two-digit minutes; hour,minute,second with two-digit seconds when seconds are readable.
6,33
